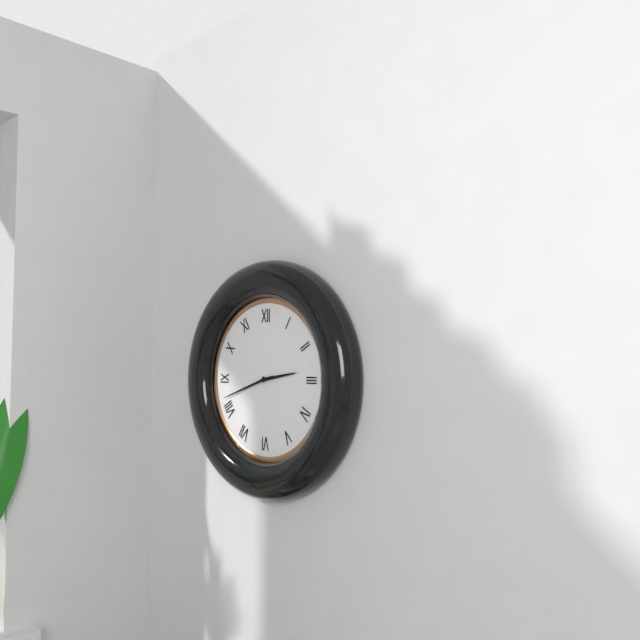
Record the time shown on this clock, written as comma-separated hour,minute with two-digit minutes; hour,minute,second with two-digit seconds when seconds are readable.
2,42
